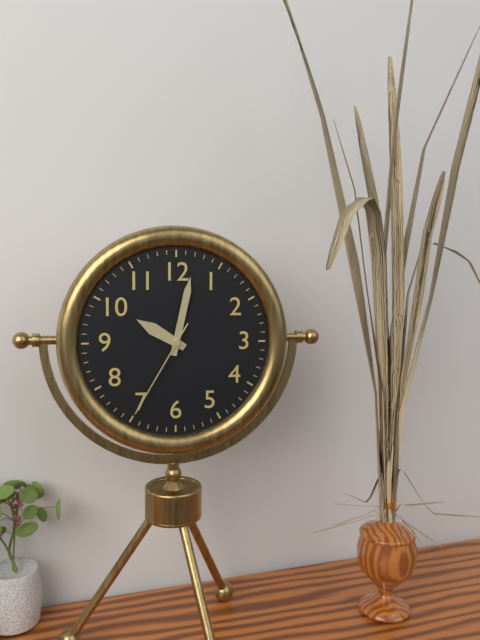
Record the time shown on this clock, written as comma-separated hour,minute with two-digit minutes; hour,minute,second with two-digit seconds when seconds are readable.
10,02,35
